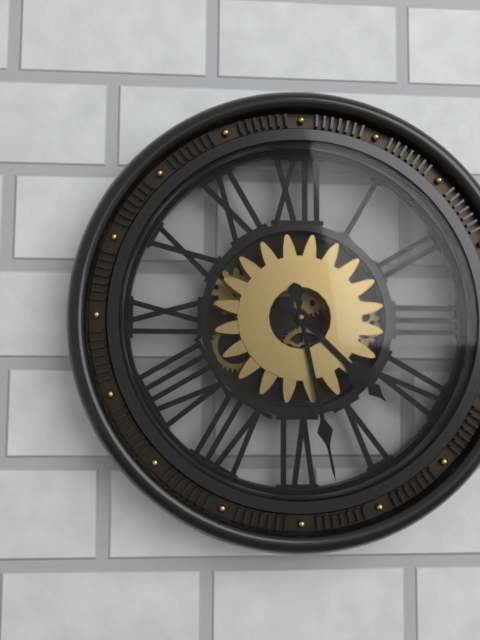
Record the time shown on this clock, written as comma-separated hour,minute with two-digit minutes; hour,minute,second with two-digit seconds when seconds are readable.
4,28
